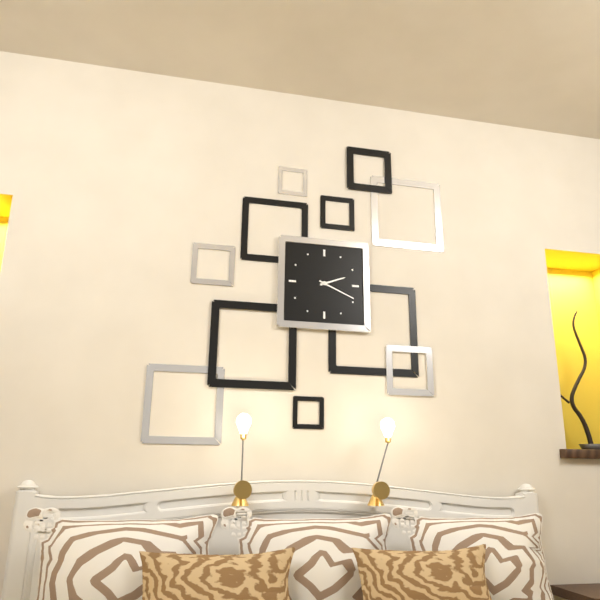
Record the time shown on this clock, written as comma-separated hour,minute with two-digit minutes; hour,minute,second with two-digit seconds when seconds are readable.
2,19
